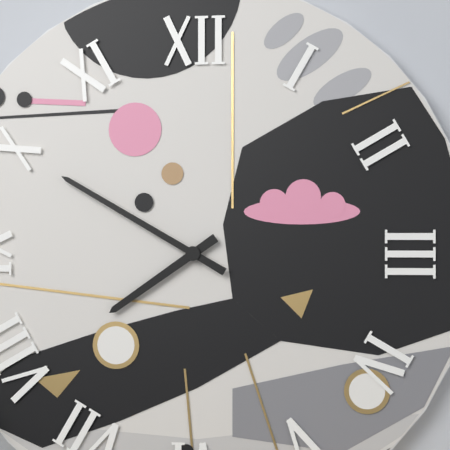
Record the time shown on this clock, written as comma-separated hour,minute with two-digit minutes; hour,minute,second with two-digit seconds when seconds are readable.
7,50
